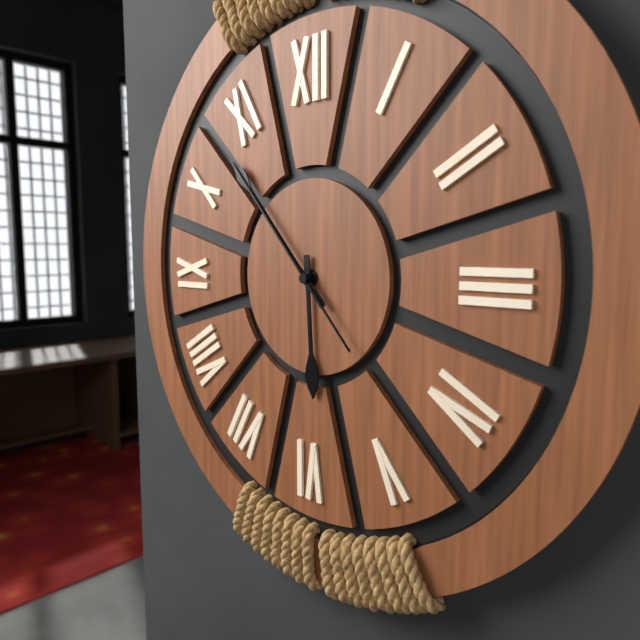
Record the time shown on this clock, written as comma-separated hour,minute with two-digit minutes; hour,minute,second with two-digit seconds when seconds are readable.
5,53,53
